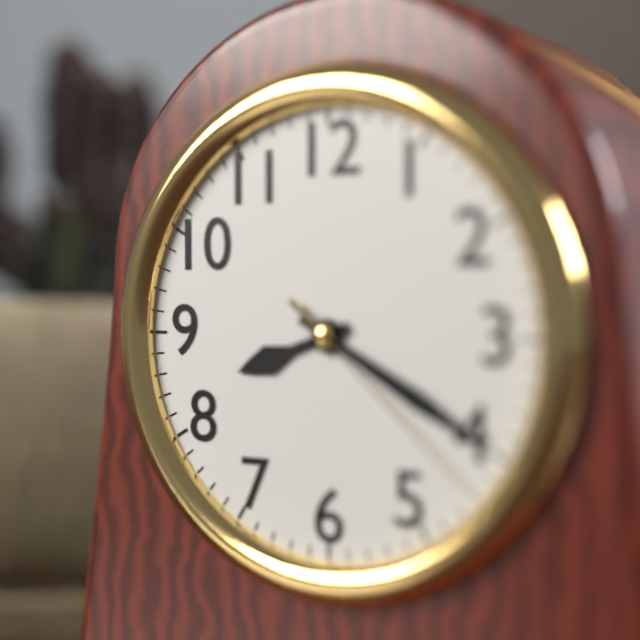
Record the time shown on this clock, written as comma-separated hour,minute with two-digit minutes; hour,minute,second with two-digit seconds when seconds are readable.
8,20,22
